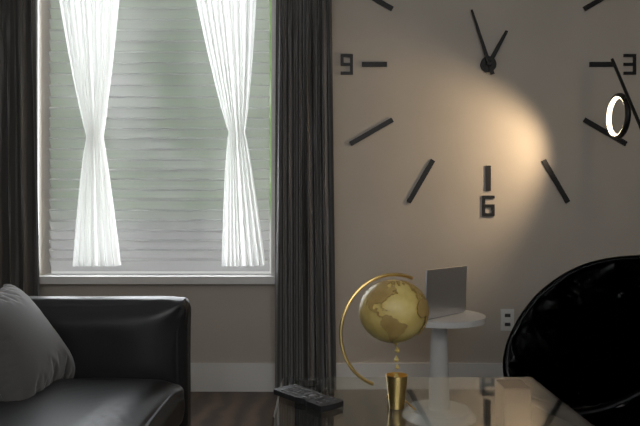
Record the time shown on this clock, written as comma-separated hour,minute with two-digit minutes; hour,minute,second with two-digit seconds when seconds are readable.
12,57
